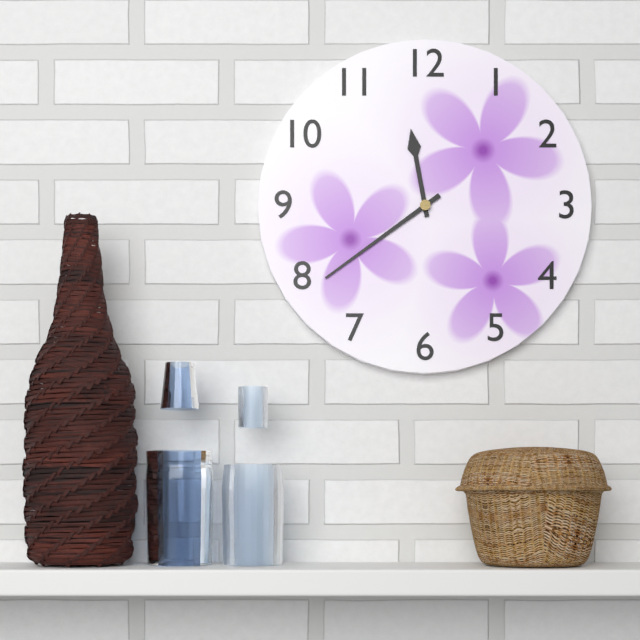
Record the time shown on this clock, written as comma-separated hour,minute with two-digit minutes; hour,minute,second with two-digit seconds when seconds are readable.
11,39
